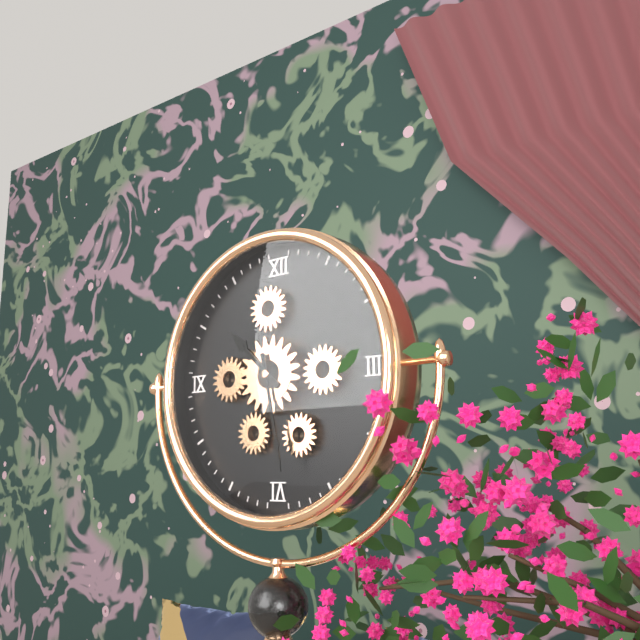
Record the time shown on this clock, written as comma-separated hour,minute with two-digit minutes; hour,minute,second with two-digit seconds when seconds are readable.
10,28
